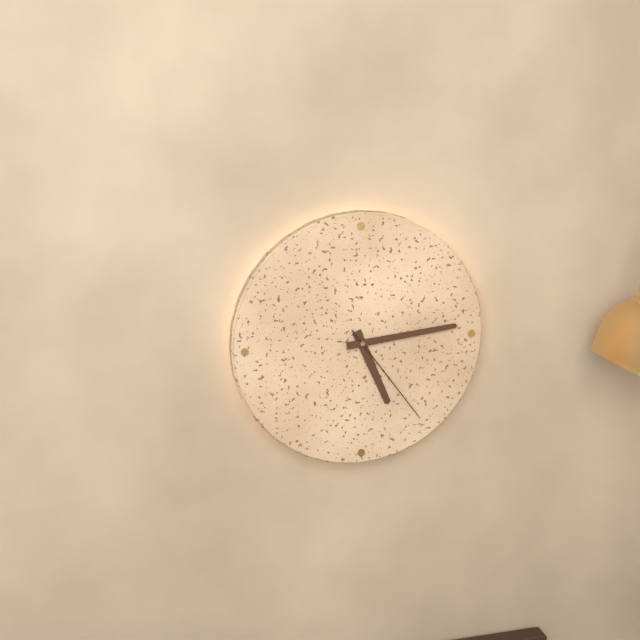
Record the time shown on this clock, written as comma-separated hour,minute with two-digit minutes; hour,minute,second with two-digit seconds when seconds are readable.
5,14,24
